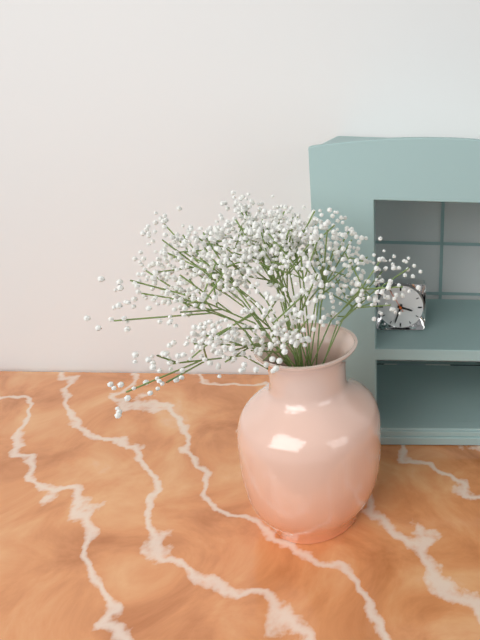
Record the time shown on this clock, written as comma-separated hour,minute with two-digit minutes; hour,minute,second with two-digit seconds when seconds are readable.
3,33
